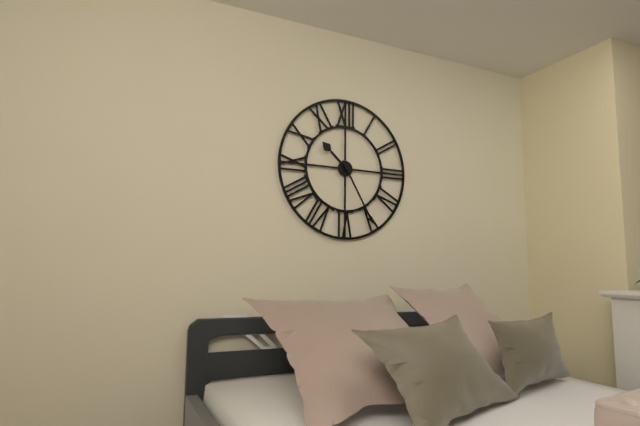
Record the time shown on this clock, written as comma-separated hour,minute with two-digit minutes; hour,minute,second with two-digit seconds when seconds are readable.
10,25
